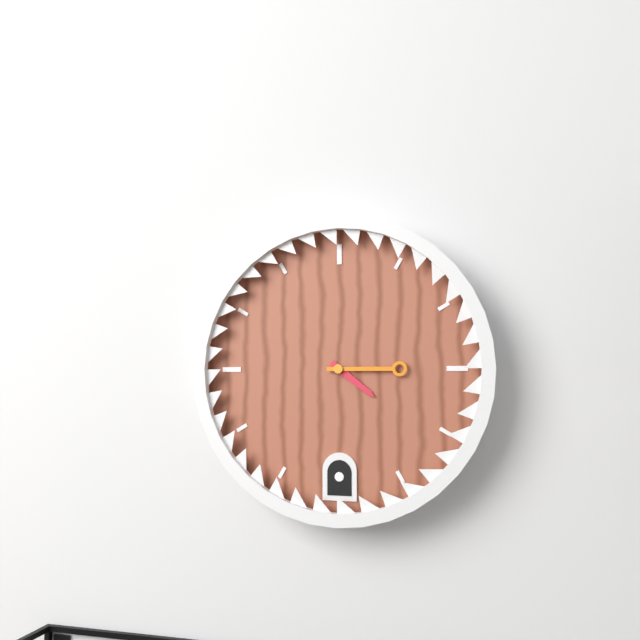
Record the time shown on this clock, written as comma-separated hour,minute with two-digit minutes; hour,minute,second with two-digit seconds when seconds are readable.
4,15
